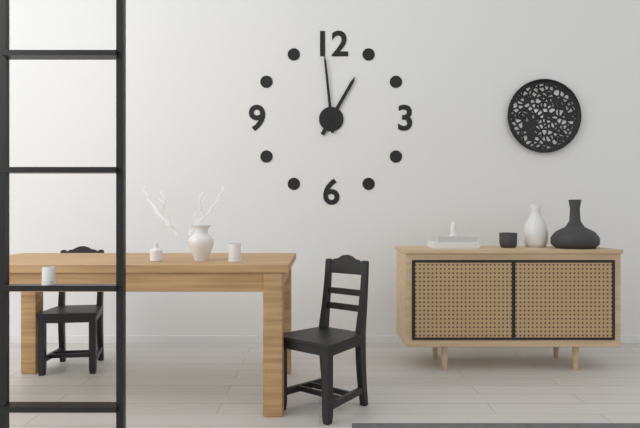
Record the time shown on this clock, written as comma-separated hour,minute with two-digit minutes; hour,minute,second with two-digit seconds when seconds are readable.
12,59
